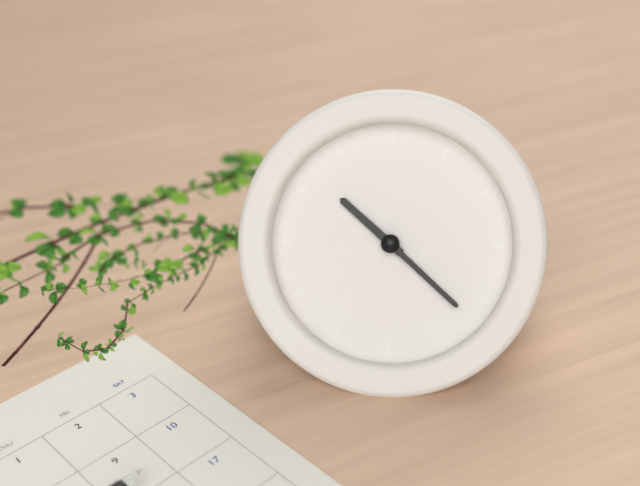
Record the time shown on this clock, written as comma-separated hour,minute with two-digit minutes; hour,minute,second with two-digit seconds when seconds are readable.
10,22
